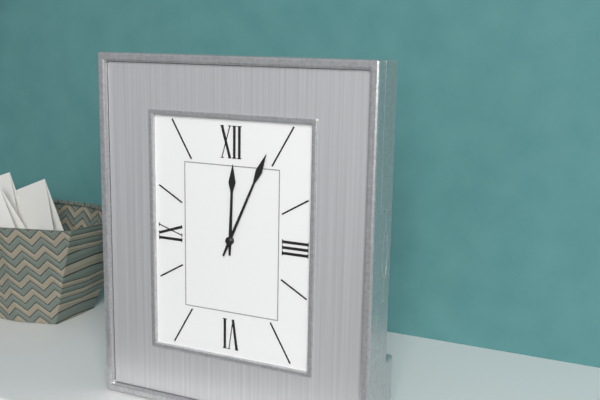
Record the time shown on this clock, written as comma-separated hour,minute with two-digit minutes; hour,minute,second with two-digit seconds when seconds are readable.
12,04
